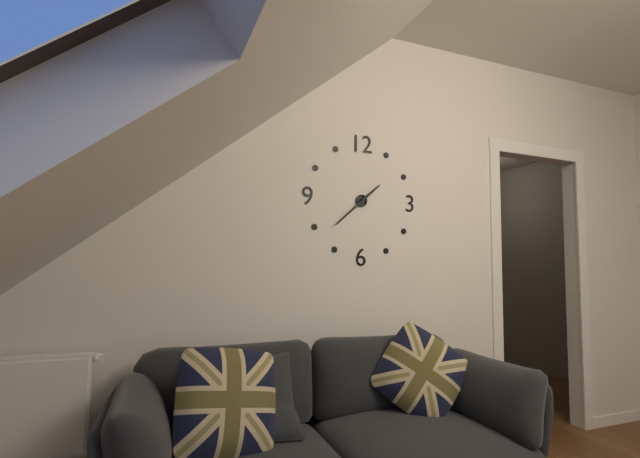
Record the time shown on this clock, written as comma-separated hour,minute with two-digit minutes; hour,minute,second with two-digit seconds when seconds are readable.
1,38
